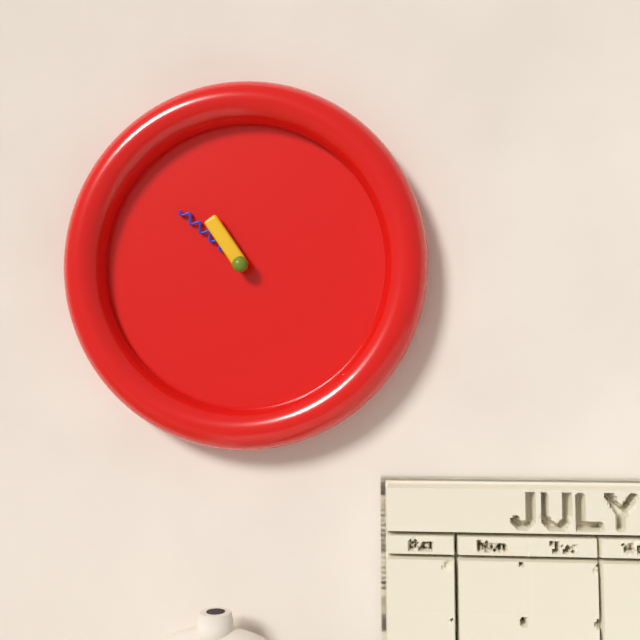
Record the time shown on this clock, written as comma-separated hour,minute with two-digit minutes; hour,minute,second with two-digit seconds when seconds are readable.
10,52
